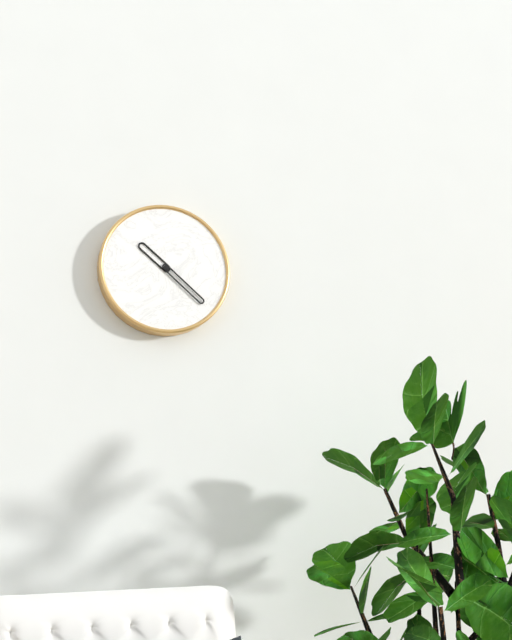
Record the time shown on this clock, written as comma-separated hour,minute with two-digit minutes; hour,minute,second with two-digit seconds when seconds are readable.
10,22
